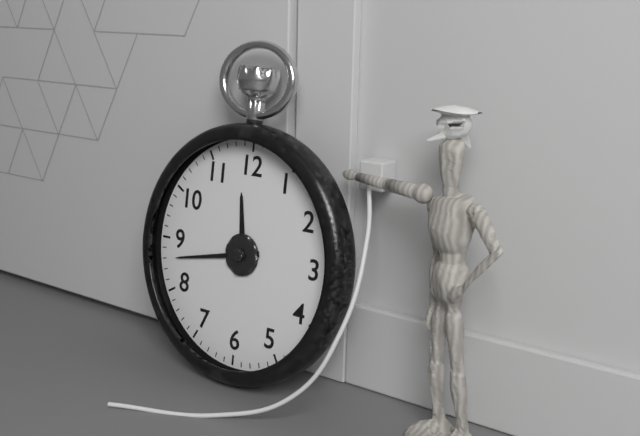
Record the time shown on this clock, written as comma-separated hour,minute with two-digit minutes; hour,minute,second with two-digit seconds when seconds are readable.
11,43
